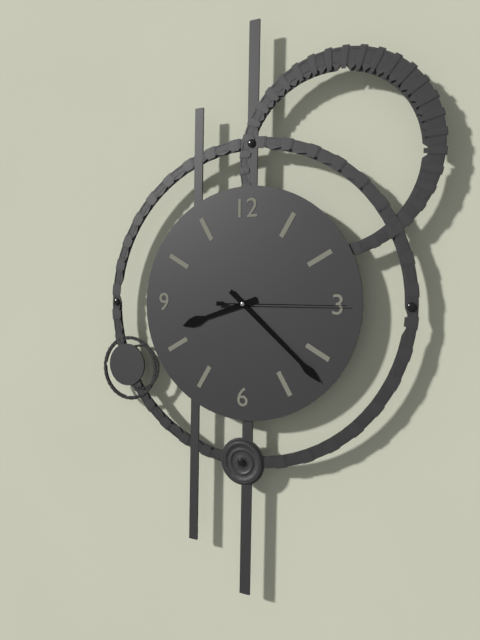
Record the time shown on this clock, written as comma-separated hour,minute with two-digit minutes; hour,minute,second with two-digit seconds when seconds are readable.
8,22,15
